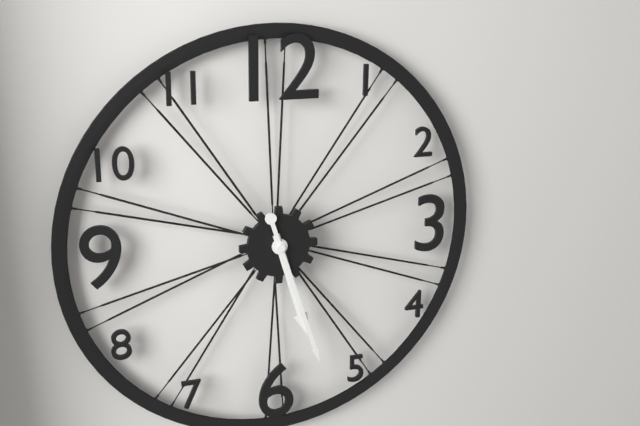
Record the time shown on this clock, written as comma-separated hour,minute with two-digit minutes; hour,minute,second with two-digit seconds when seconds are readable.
5,27
